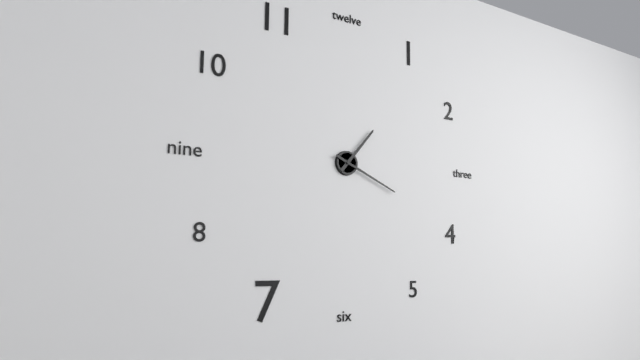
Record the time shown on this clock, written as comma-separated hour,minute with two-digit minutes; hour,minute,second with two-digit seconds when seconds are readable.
1,19
